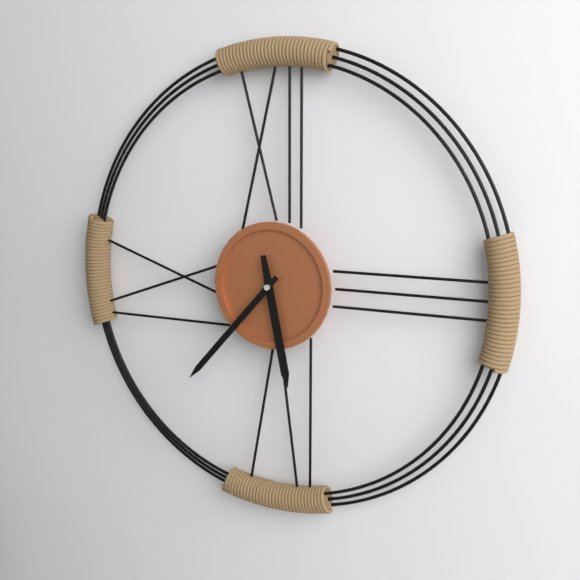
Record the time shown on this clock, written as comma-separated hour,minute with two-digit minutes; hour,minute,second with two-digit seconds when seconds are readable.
5,37
